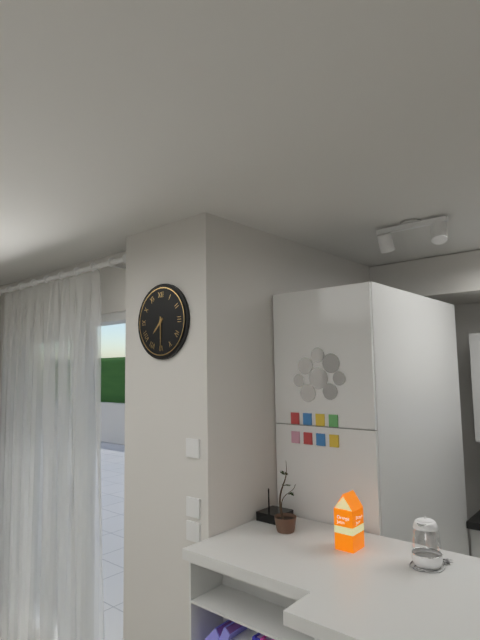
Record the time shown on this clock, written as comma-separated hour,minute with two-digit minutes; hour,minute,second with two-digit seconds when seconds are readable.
7,30
